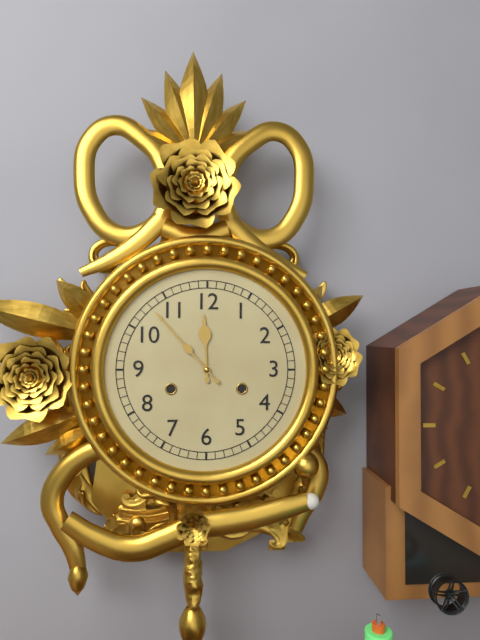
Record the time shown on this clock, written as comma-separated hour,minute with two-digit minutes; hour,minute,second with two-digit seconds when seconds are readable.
11,53
